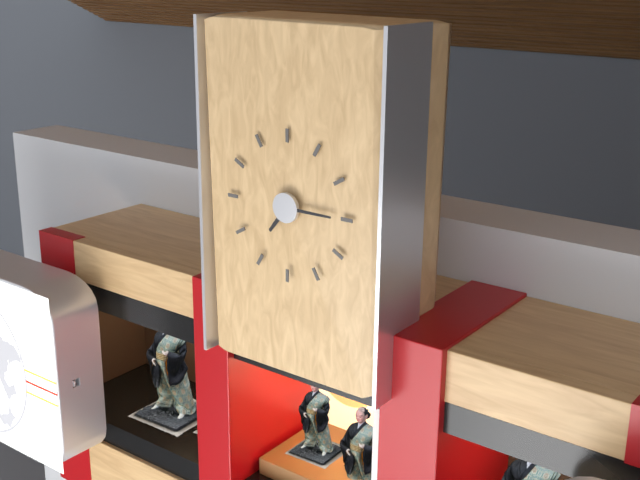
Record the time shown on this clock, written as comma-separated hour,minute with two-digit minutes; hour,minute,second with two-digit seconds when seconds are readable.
7,15
